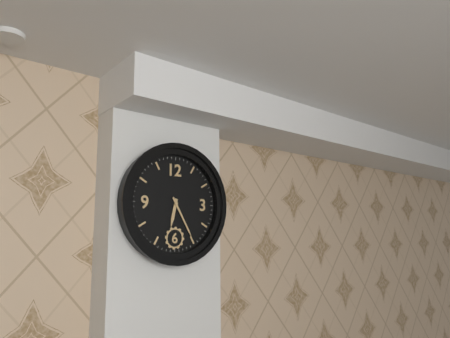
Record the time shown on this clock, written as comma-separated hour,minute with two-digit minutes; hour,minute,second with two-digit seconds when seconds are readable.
6,25
